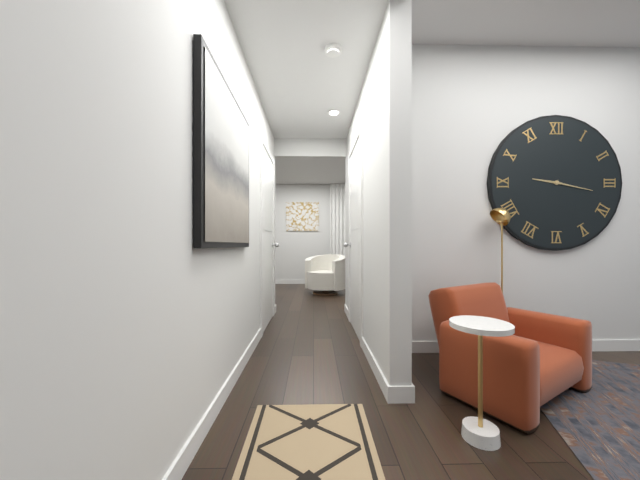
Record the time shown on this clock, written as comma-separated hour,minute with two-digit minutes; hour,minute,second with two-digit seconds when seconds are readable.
9,17
